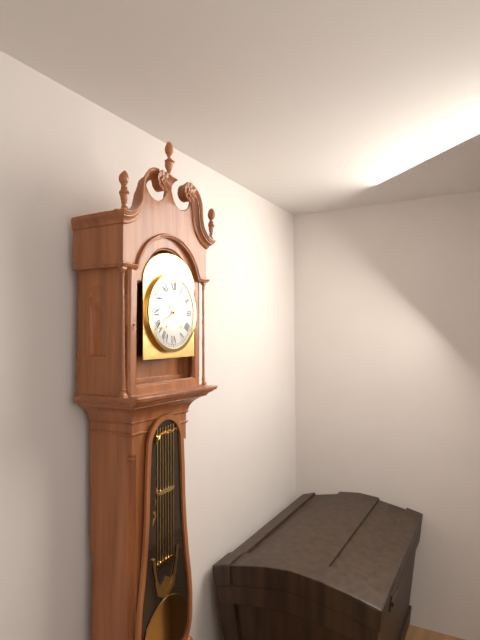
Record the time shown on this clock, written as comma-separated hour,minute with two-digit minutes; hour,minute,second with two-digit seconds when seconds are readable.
10,40
